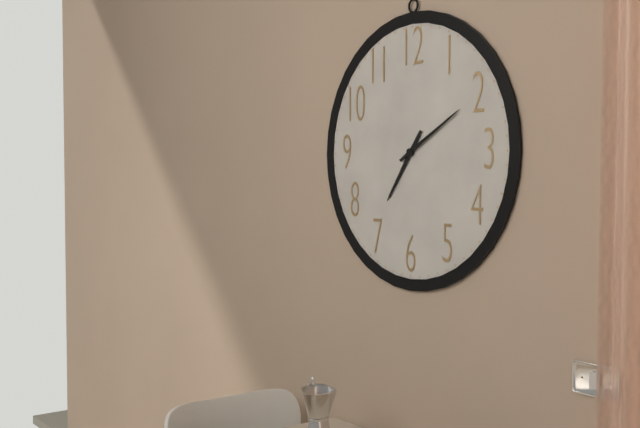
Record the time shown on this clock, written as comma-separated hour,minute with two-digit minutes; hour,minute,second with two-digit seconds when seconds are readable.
7,10
